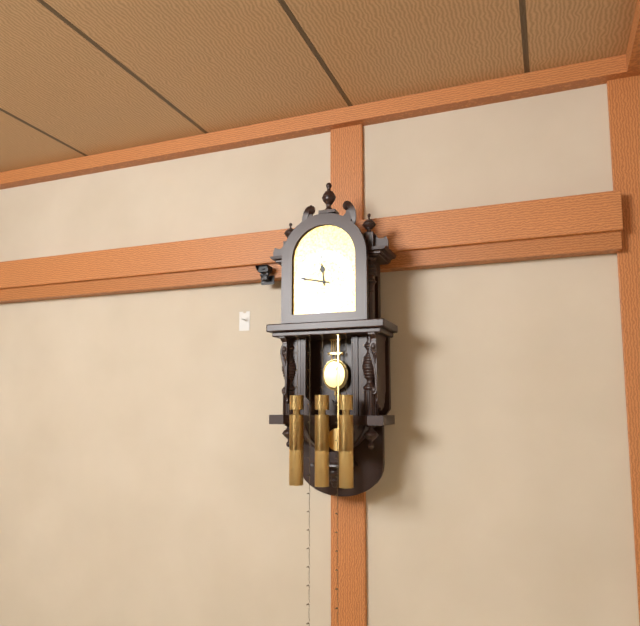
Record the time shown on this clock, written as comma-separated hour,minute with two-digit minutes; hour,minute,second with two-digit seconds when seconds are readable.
11,47
